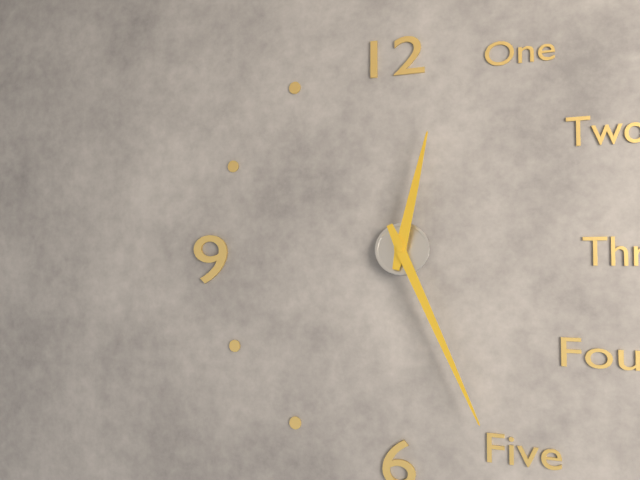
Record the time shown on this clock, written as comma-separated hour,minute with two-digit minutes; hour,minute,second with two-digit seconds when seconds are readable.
12,26
